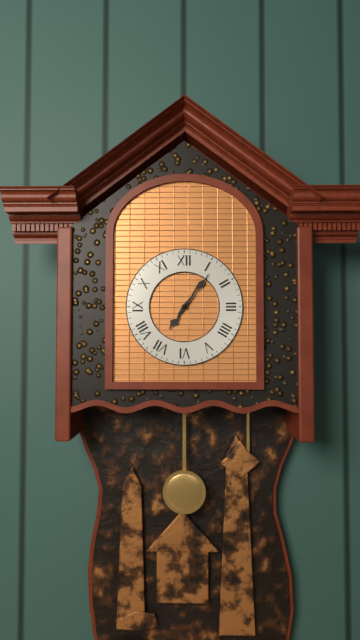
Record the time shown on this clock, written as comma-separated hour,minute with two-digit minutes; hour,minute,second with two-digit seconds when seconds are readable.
7,06
